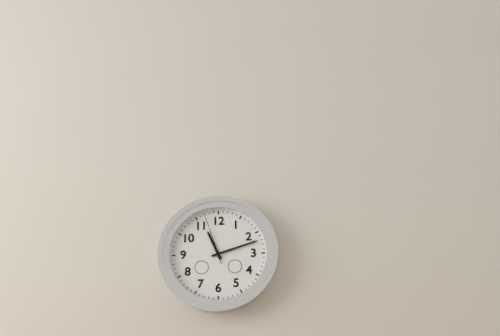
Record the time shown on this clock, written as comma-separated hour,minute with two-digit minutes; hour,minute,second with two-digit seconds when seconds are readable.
11,12,57
